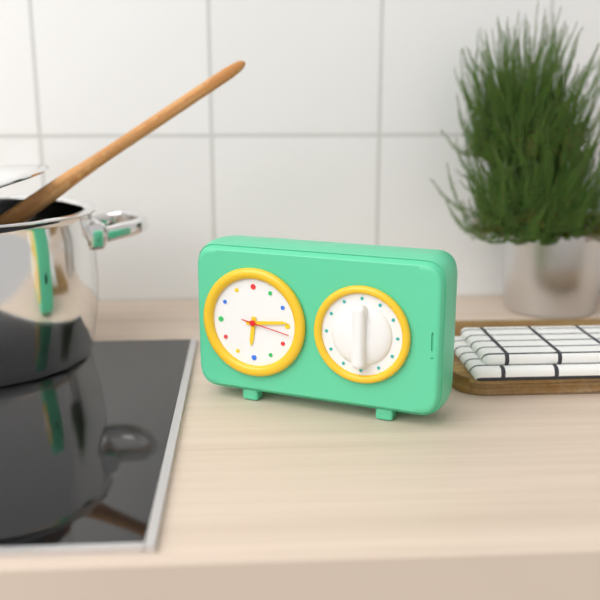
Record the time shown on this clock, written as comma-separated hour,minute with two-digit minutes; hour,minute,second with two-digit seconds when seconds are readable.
6,14
